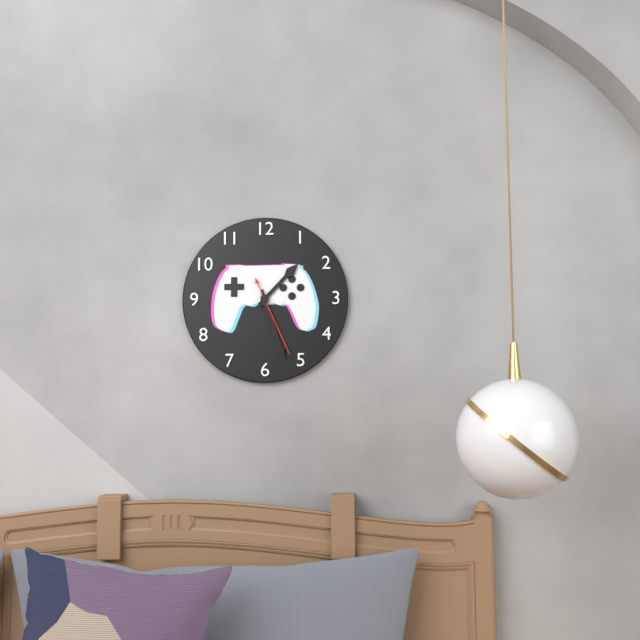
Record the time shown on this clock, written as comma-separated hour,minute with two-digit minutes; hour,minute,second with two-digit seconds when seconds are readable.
1,27,26
